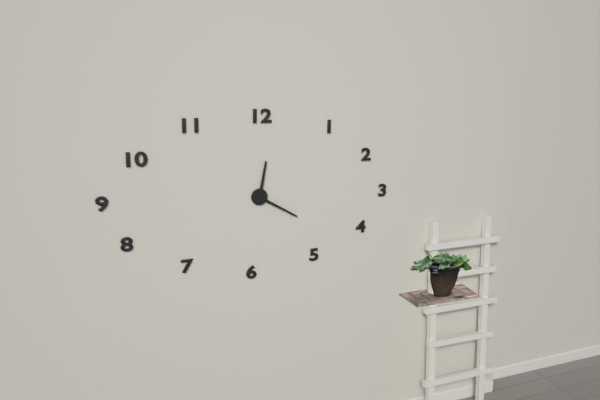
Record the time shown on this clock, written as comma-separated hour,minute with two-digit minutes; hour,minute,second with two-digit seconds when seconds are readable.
12,20
